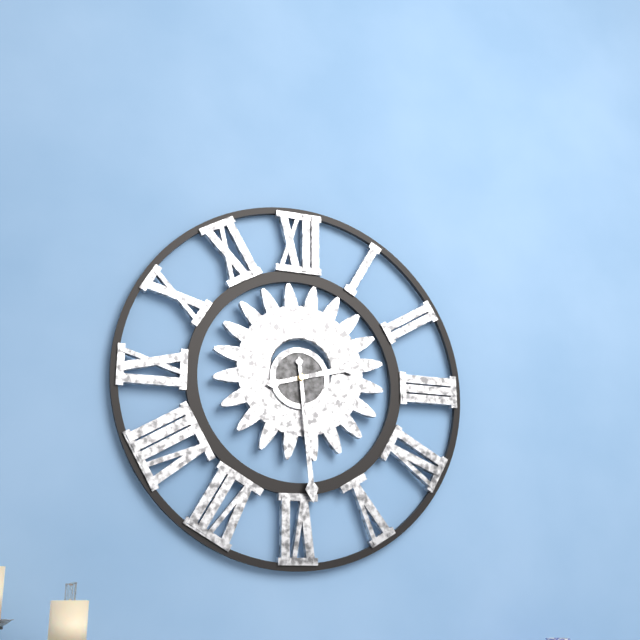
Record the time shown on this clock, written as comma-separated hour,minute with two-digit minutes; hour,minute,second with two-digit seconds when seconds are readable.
2,29
